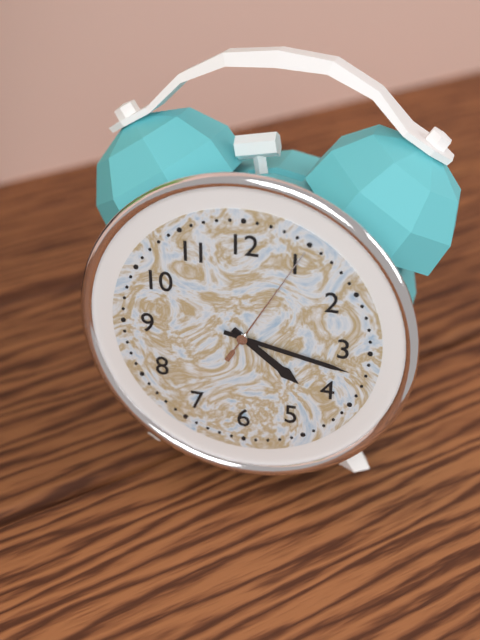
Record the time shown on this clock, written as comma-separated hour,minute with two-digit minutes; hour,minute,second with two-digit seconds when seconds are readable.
4,17,05
